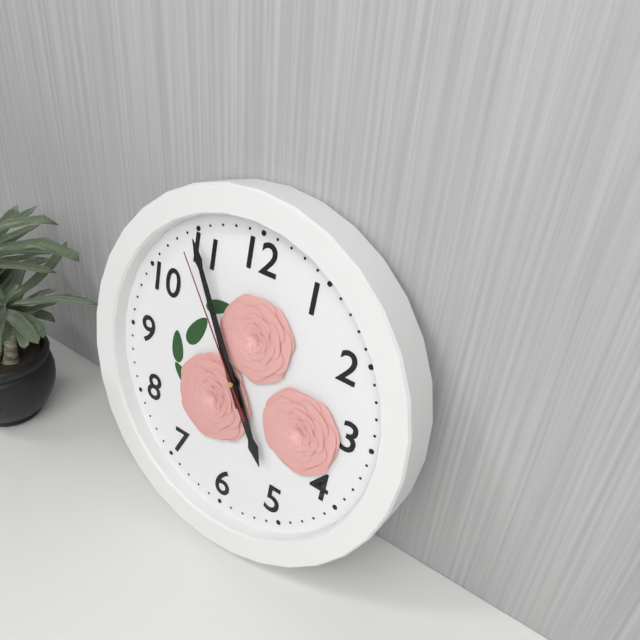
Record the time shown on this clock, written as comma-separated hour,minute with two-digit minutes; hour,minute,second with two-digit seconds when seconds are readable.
4,55,54
